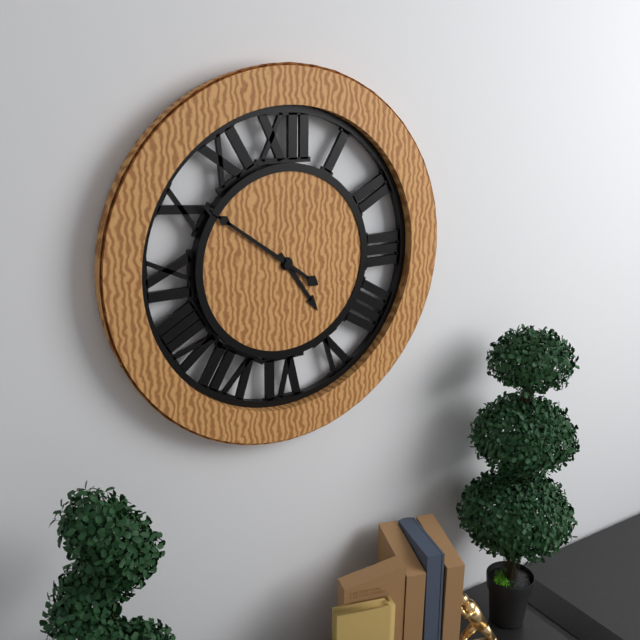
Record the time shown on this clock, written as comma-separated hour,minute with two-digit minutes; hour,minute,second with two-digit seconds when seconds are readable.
4,51
